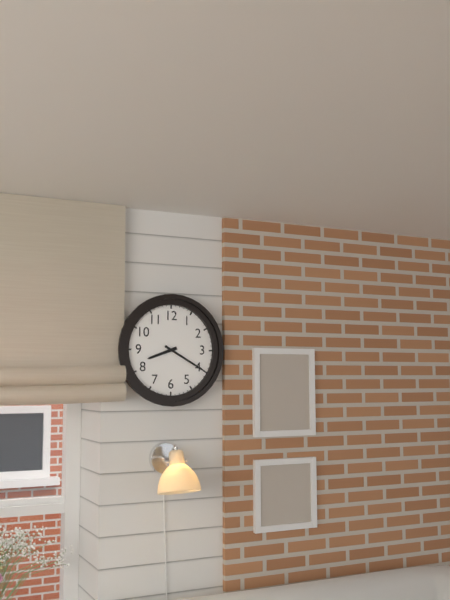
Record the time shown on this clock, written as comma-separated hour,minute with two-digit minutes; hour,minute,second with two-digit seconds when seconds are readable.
8,20
